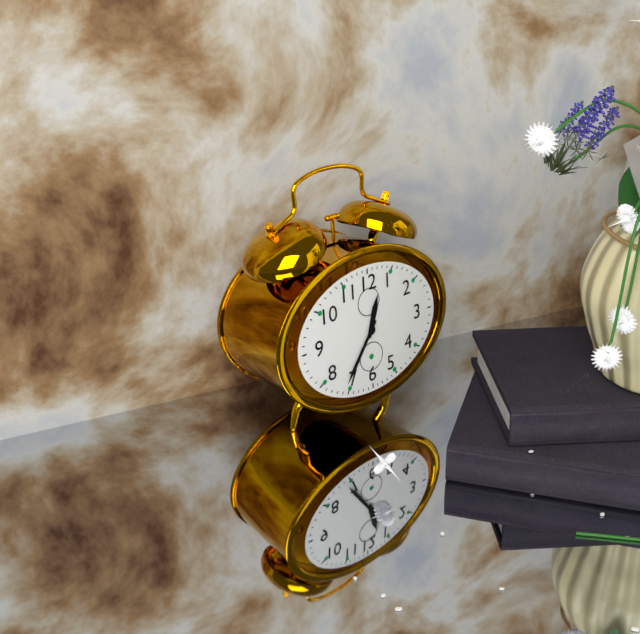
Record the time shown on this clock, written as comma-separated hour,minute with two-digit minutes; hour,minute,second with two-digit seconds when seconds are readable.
12,36
